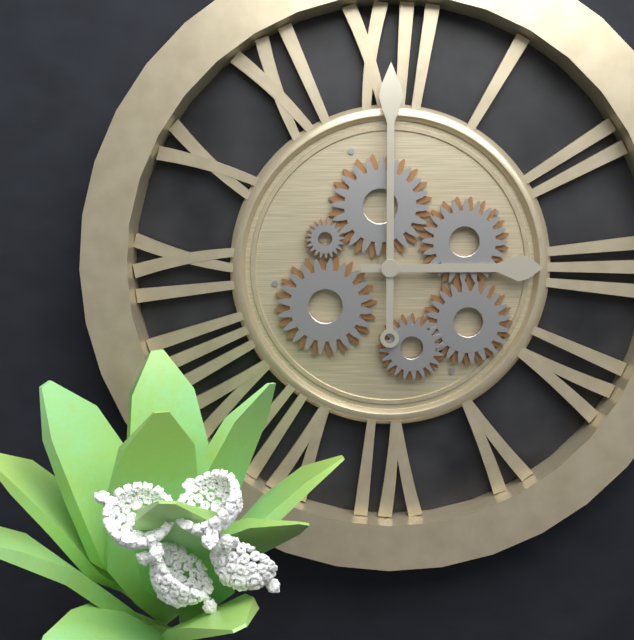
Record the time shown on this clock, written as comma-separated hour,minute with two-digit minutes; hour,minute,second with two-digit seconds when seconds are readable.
3,00
